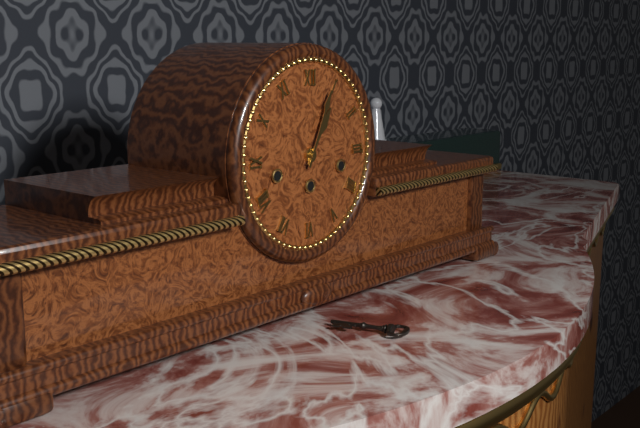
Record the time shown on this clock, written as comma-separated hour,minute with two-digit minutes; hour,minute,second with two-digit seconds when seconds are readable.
1,04
